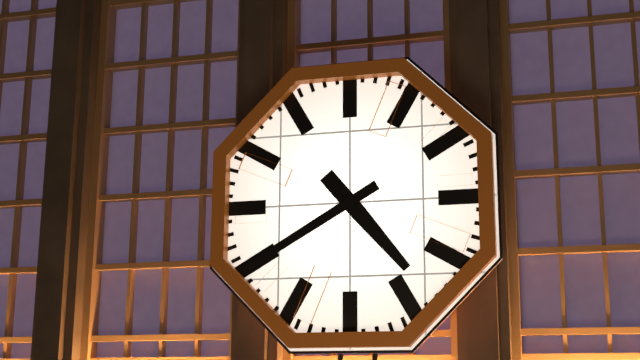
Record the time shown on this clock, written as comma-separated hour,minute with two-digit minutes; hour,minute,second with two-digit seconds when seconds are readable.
4,40
